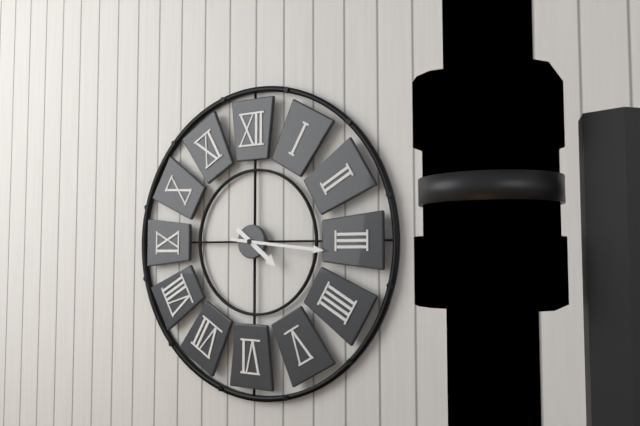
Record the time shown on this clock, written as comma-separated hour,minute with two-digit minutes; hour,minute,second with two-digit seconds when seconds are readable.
4,16
